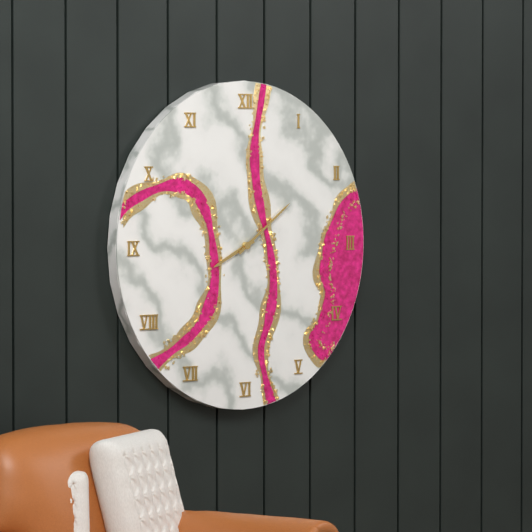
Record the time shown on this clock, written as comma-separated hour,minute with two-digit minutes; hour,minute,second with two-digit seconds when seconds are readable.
8,09
